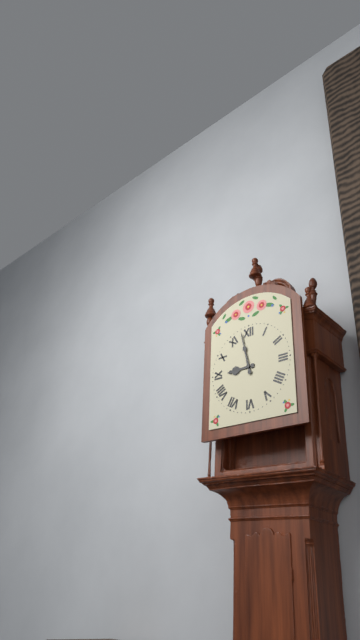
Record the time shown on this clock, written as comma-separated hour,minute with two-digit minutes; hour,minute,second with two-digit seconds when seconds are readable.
8,58
